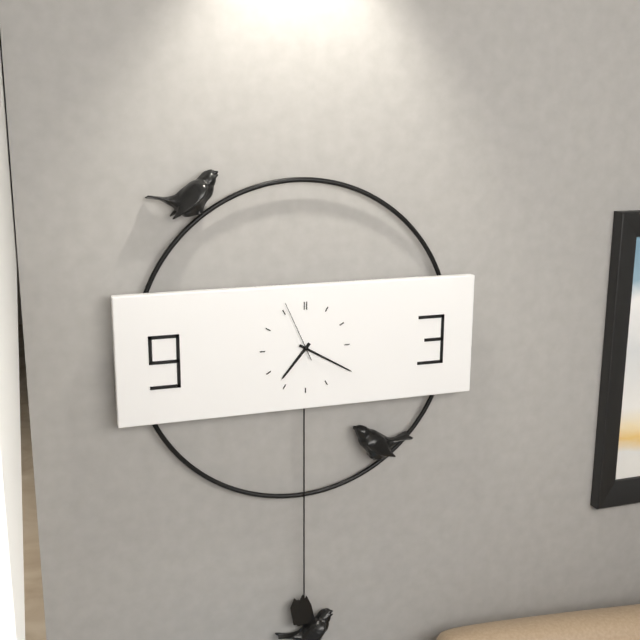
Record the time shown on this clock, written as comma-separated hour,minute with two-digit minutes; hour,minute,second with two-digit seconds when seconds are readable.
7,20,56
